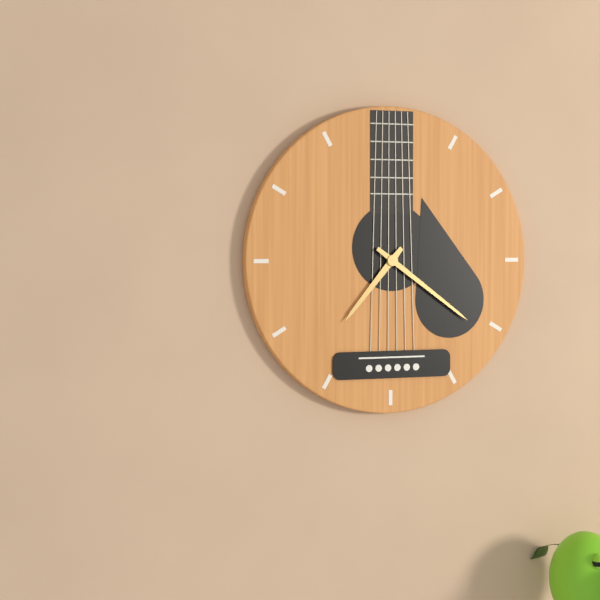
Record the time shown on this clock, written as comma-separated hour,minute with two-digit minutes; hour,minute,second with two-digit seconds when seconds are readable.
7,21
